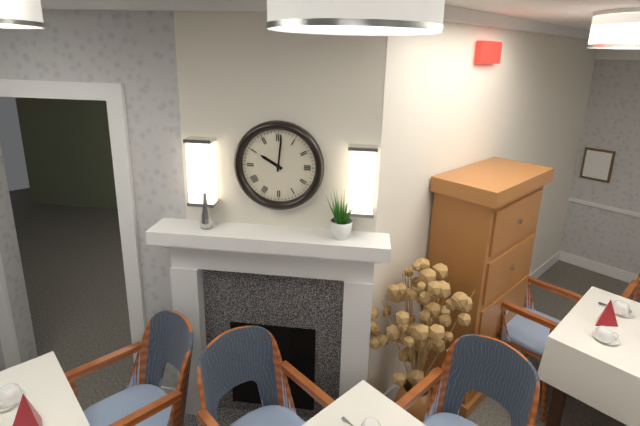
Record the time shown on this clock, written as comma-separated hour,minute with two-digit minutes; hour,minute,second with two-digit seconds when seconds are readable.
10,01
